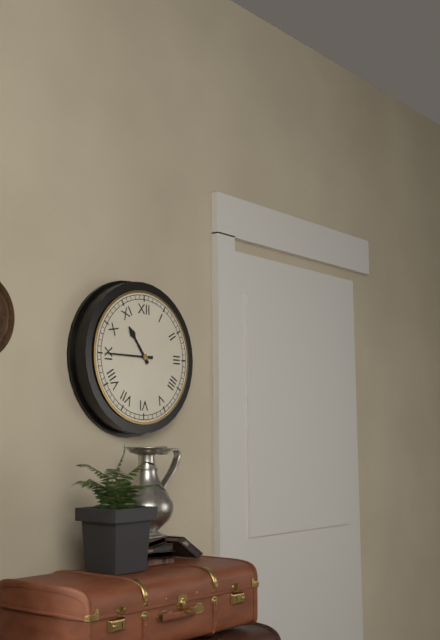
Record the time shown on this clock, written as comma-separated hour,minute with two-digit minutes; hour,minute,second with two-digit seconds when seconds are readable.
10,45
